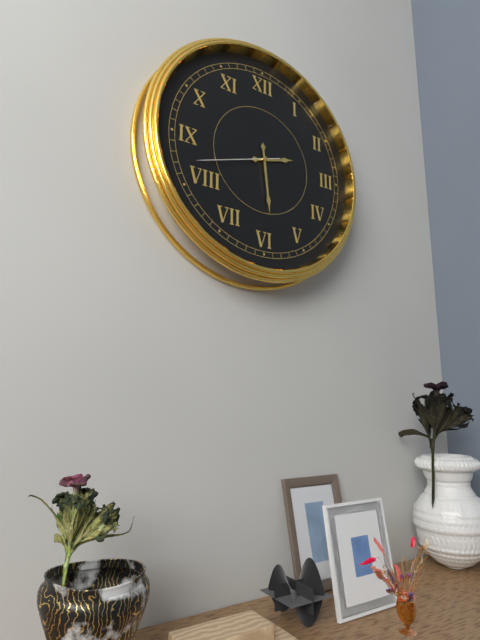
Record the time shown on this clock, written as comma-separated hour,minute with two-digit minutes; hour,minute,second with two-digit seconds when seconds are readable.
2,29,42
